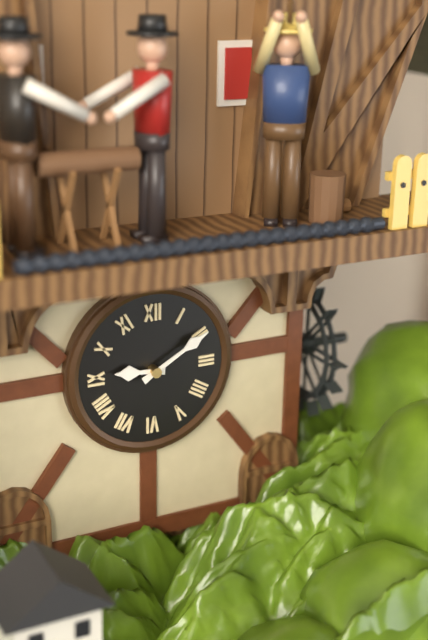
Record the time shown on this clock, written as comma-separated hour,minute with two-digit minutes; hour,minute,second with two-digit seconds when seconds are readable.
9,10
